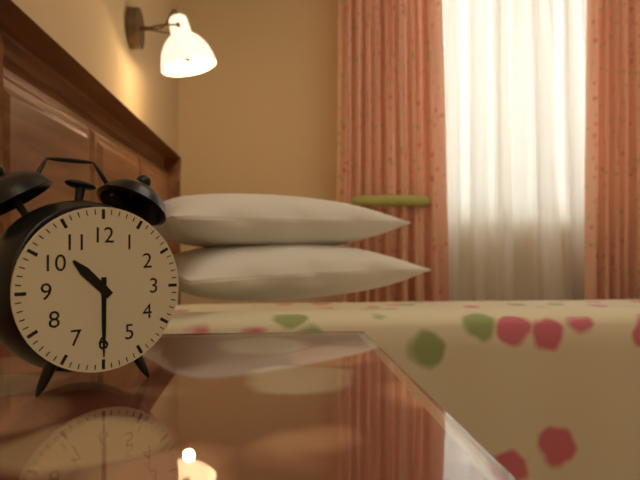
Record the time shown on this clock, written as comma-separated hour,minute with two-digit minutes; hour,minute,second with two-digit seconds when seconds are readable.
10,30
